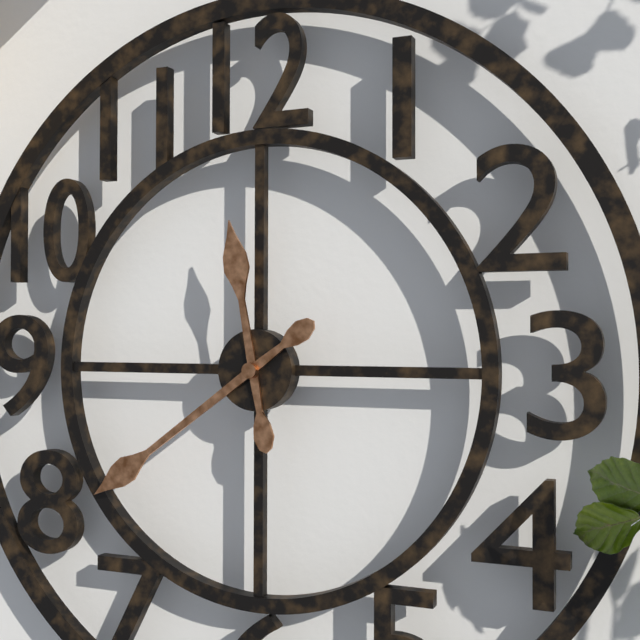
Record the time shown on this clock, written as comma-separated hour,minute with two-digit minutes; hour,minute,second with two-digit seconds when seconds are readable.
11,39
